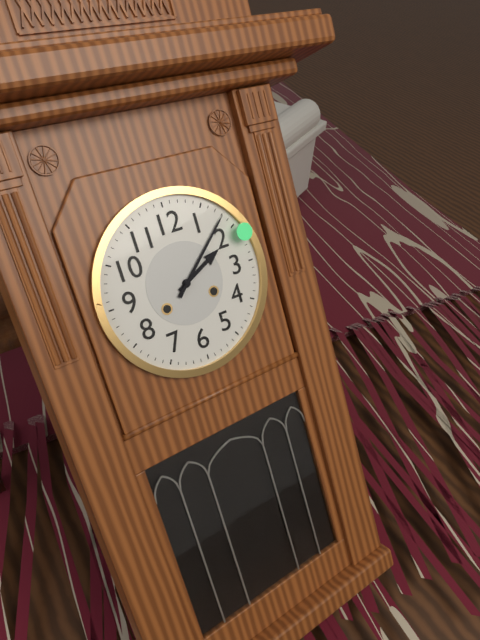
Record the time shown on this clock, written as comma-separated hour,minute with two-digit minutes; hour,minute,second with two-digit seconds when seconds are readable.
2,08
